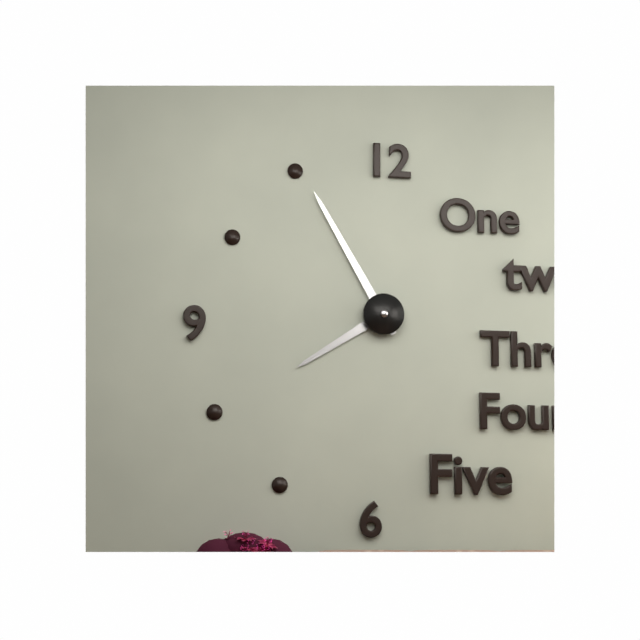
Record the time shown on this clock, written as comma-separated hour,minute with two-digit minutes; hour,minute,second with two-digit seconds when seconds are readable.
7,55
